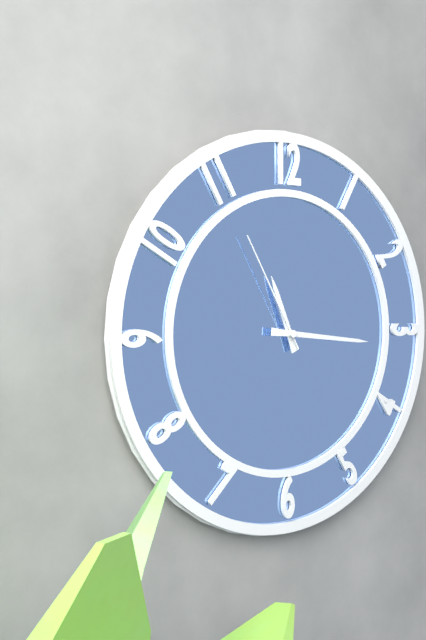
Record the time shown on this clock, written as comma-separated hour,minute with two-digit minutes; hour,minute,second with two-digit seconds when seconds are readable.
11,16,55
